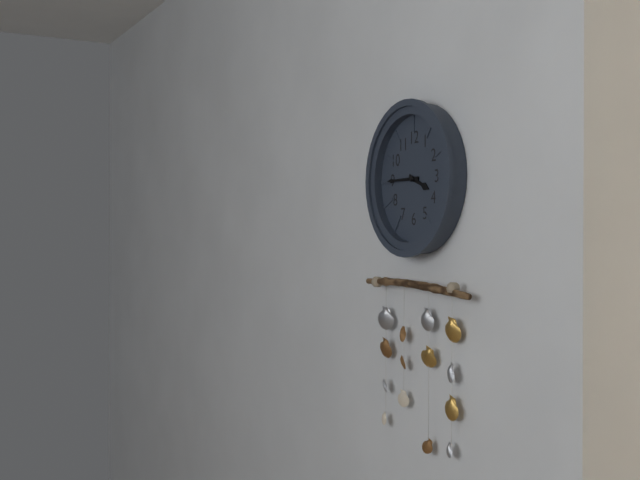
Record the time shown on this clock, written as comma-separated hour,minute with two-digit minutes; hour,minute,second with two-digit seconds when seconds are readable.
3,45
